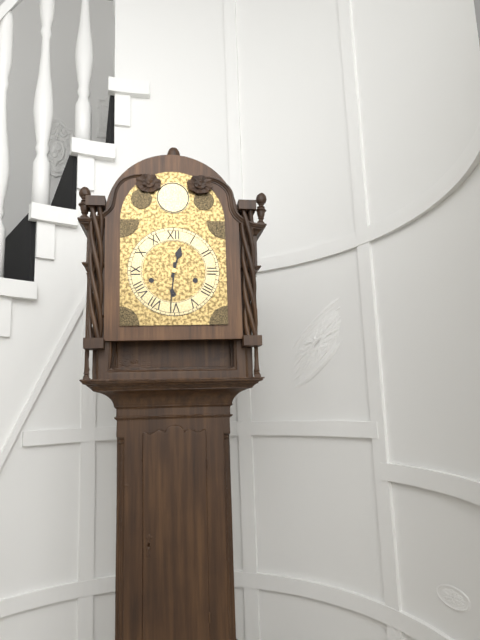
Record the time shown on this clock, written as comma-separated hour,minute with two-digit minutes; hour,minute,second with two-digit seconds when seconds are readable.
12,31
